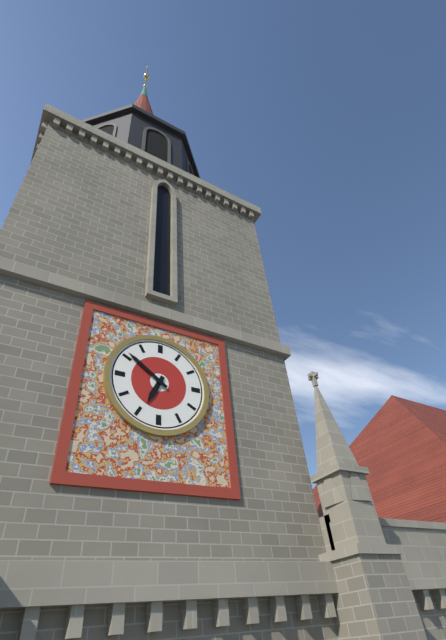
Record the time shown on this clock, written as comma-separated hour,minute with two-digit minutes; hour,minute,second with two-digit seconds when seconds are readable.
6,51
